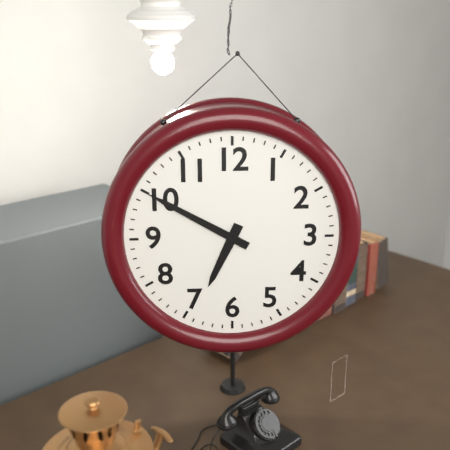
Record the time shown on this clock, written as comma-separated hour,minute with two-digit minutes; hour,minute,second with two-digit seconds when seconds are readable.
6,50
